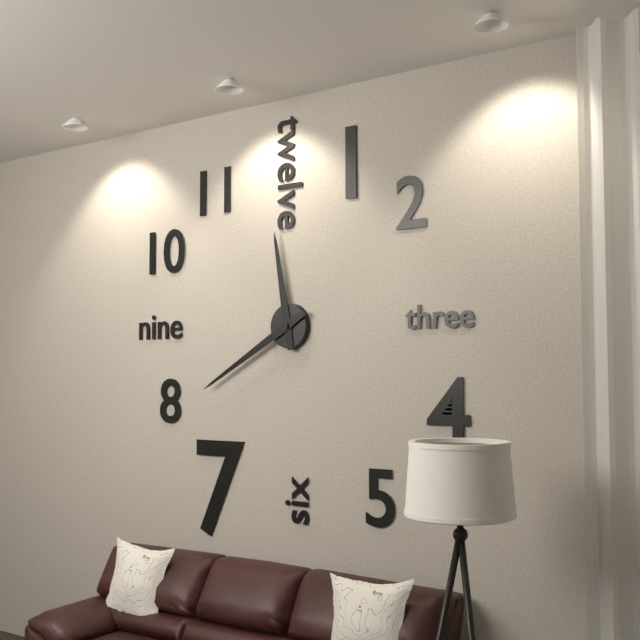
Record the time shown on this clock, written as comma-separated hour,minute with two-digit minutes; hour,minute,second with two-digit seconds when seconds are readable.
11,40
